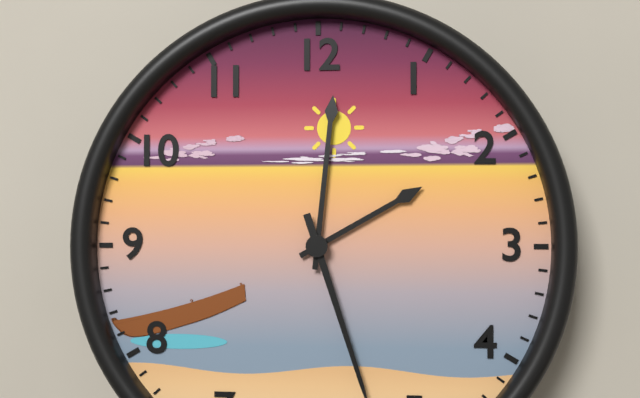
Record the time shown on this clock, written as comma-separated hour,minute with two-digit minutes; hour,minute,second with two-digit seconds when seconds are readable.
2,01
